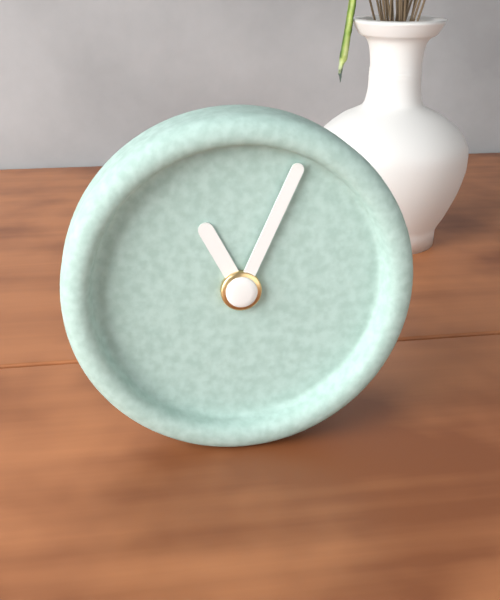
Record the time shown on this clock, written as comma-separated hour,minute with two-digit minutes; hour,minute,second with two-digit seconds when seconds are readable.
11,04
